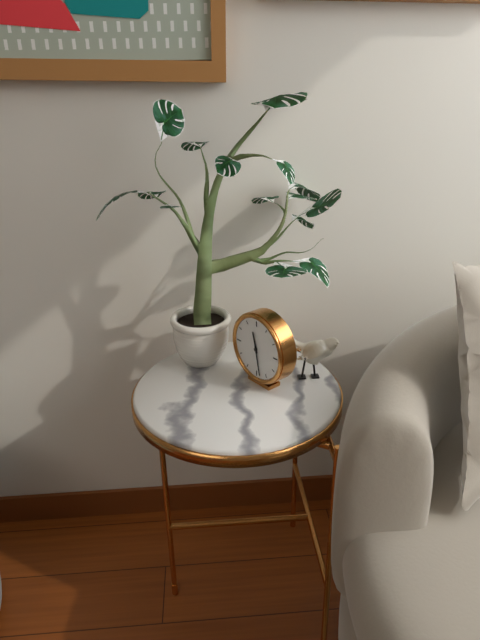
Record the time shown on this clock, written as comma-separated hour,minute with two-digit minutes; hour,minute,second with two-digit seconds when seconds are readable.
11,28
